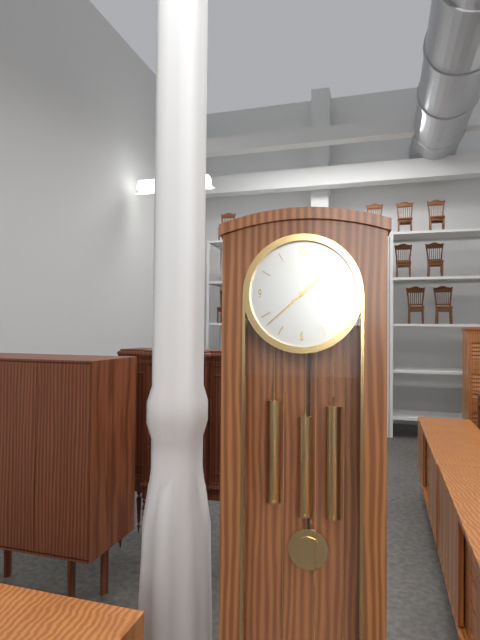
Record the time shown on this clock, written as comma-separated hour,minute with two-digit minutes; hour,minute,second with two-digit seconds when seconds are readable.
1,38
